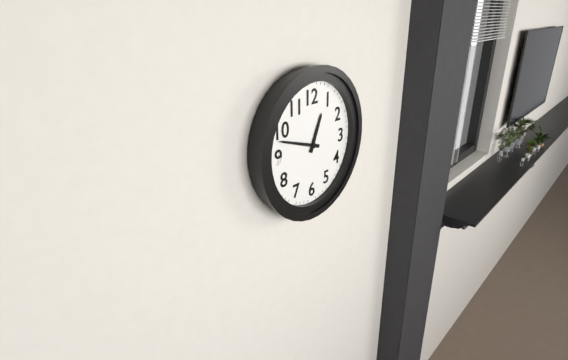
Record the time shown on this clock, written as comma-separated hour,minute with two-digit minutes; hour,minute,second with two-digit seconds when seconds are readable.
12,48
